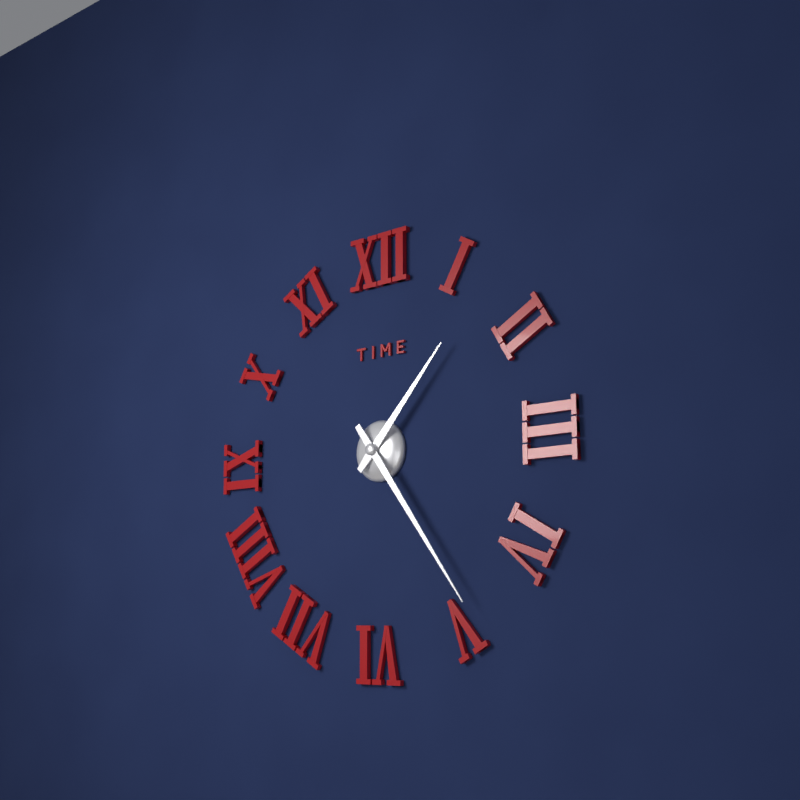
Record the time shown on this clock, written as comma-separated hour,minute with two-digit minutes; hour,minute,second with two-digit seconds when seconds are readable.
1,24
